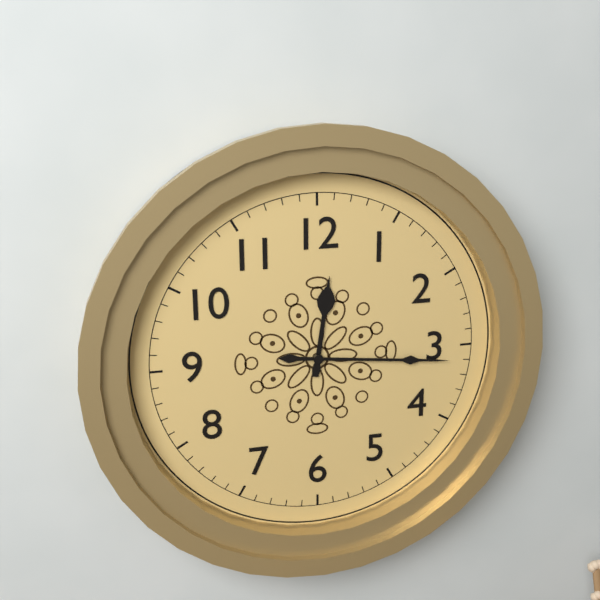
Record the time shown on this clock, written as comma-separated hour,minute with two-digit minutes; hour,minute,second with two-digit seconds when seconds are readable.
12,16
